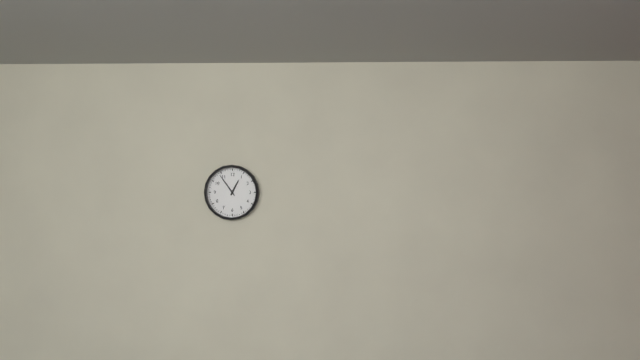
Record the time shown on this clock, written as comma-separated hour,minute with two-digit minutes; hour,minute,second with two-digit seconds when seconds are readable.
12,54
